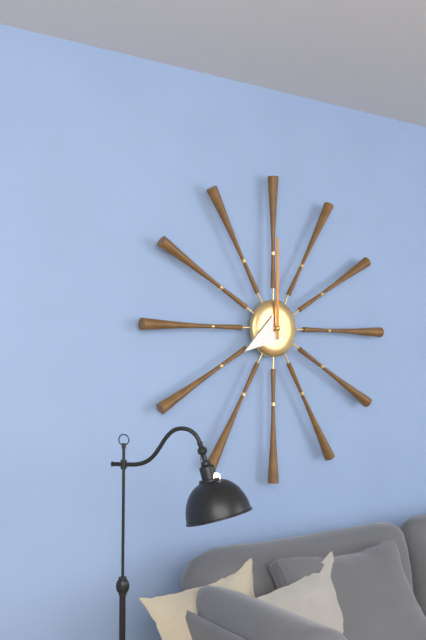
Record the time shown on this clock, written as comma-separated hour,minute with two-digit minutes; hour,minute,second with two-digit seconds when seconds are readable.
8,00
